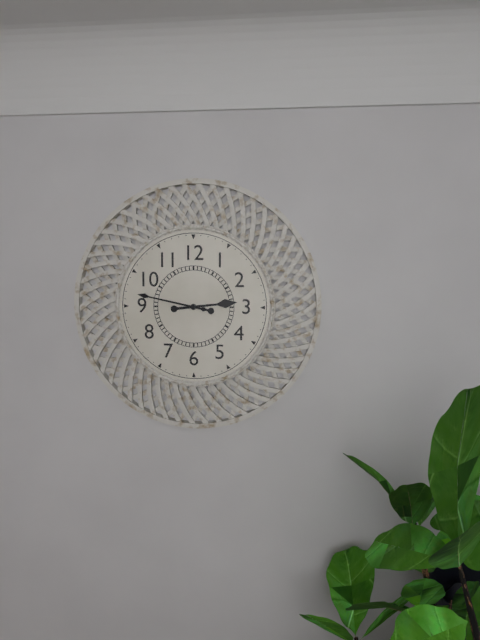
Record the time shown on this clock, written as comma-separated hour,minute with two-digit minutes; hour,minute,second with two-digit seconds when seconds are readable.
2,47
